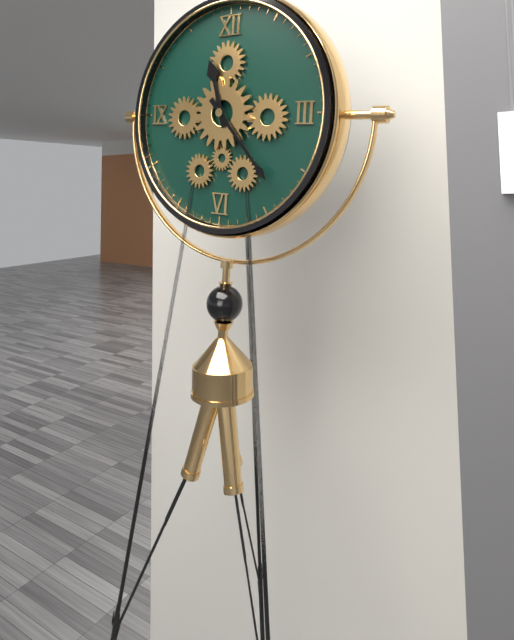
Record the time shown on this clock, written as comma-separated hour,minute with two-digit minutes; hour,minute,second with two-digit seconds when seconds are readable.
11,23
